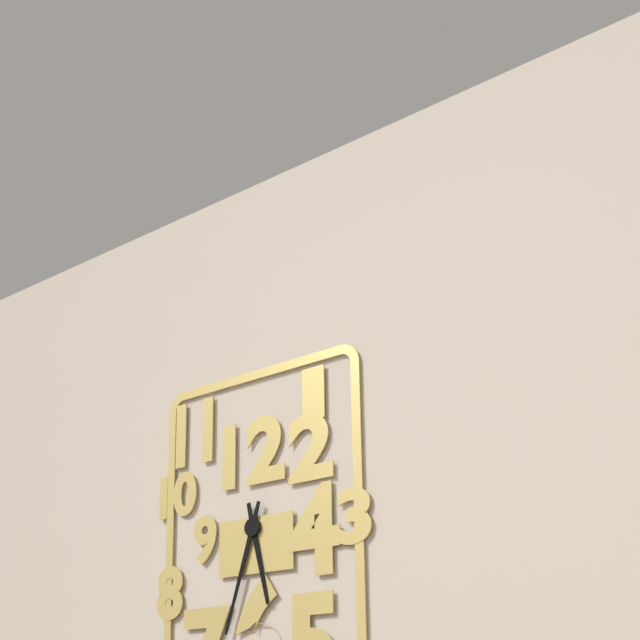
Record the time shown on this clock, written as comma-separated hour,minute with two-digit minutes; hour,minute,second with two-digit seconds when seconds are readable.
5,33
